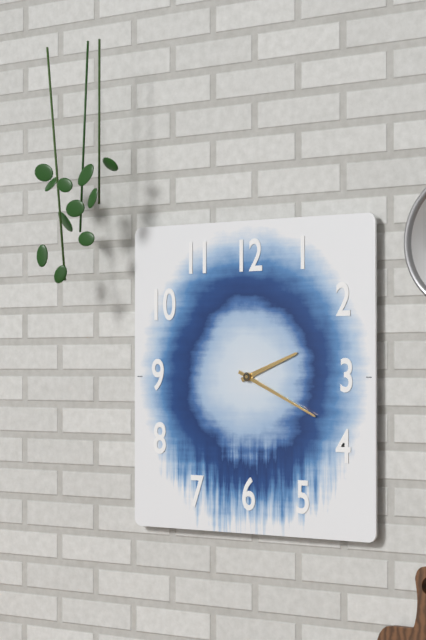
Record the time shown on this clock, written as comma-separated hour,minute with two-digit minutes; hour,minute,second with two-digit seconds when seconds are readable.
2,19
